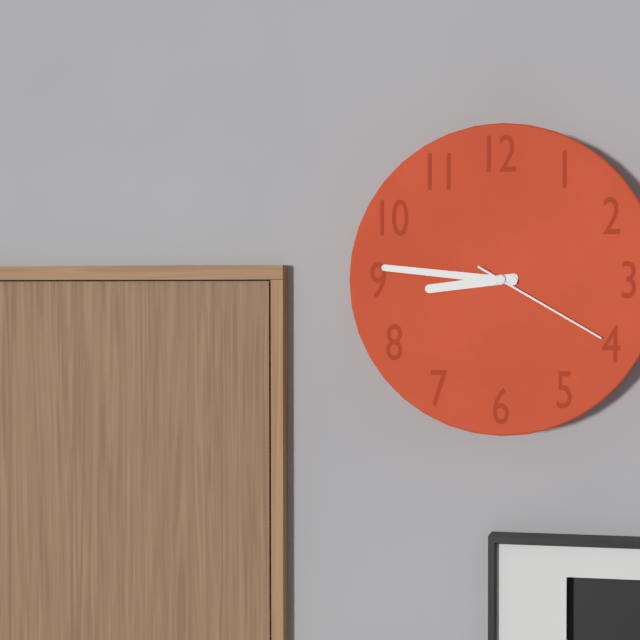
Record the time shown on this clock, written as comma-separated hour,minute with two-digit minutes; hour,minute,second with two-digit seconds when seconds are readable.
8,46,20
